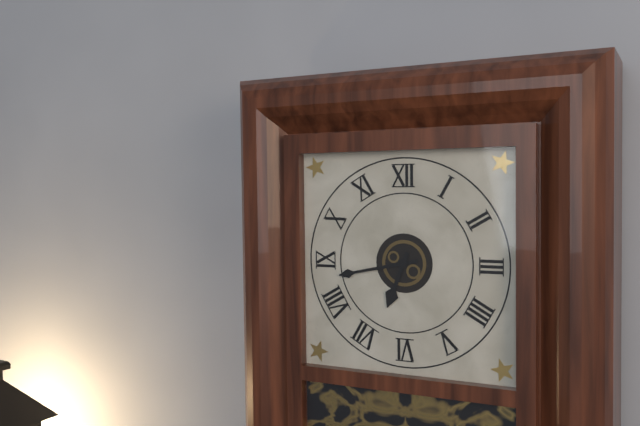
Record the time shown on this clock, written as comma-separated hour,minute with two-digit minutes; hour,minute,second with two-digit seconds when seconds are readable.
6,43
